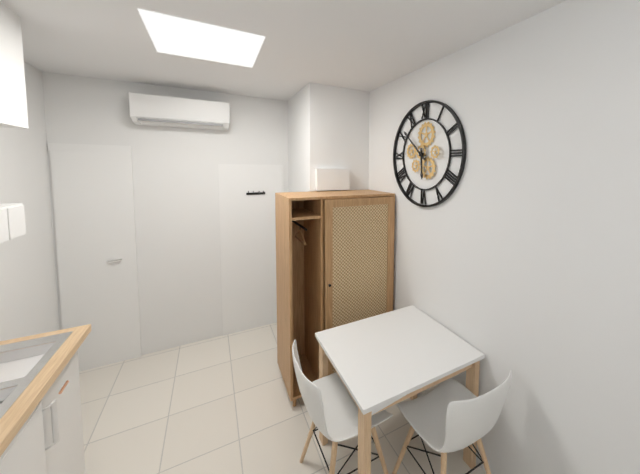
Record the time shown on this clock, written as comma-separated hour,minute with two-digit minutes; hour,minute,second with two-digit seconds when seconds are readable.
5,52
